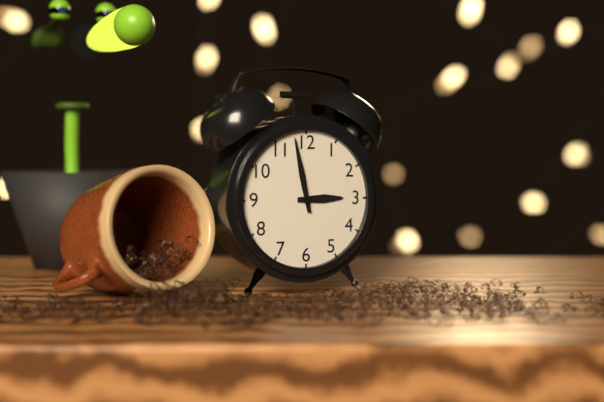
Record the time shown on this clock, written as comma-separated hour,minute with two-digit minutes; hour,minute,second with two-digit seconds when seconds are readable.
2,58
